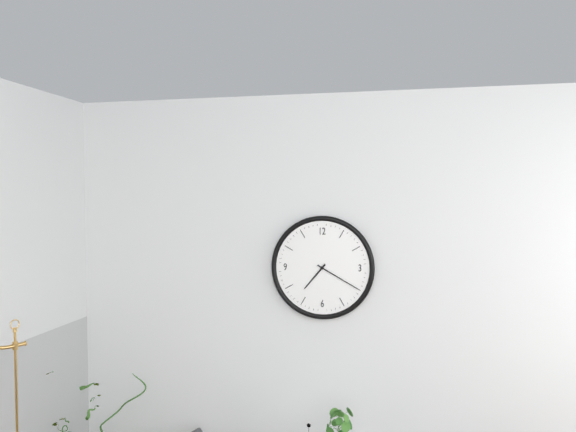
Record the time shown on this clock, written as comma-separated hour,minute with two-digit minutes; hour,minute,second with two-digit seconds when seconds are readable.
7,20
